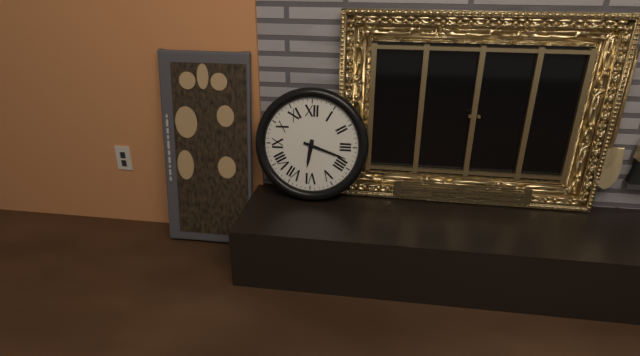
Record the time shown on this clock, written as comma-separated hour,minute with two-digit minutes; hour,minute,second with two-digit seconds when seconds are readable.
6,18
